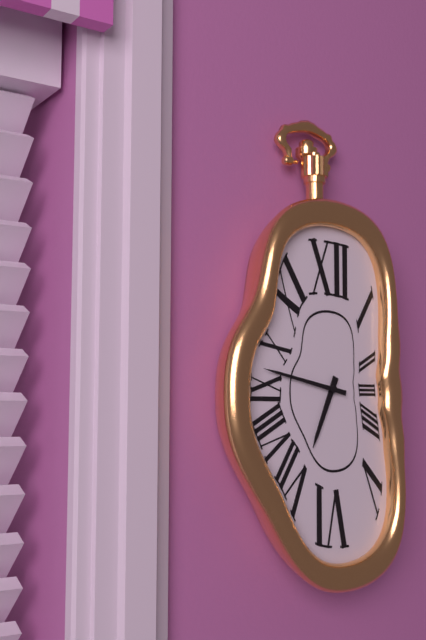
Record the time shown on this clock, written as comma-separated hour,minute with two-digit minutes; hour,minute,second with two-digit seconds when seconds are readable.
6,47
